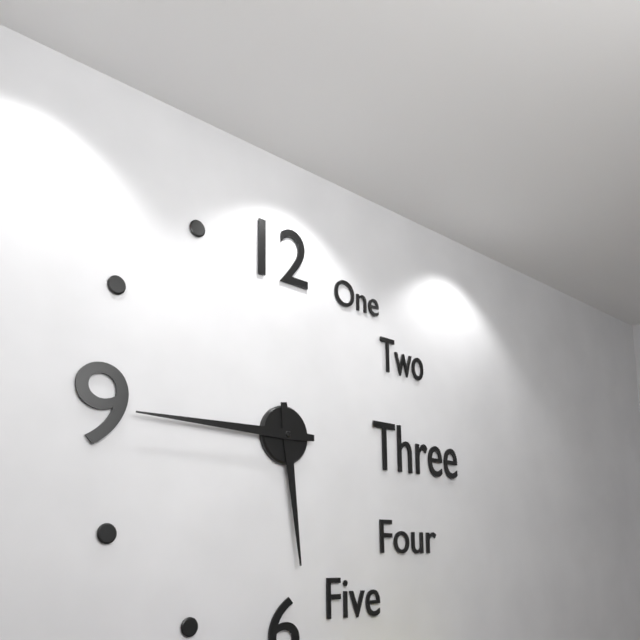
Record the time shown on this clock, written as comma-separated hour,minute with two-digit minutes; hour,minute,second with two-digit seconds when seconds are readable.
5,45
